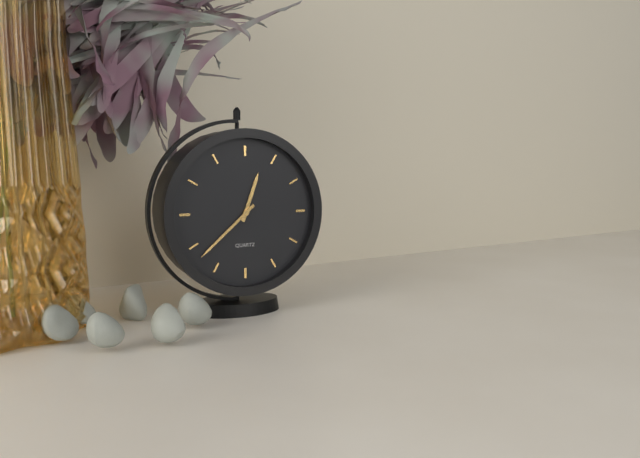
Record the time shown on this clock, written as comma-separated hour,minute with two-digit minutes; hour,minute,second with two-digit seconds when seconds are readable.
12,38
